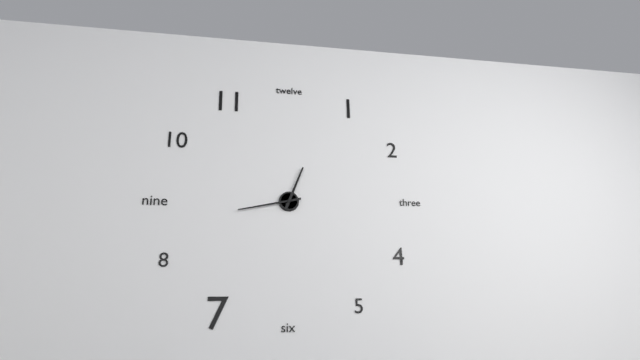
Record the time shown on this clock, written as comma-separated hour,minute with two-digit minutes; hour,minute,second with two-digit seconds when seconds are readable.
12,43
